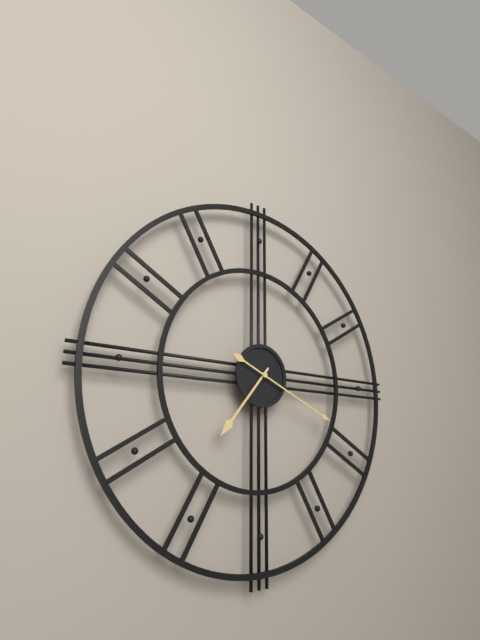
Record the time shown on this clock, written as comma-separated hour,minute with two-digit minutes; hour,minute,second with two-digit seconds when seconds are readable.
7,19
